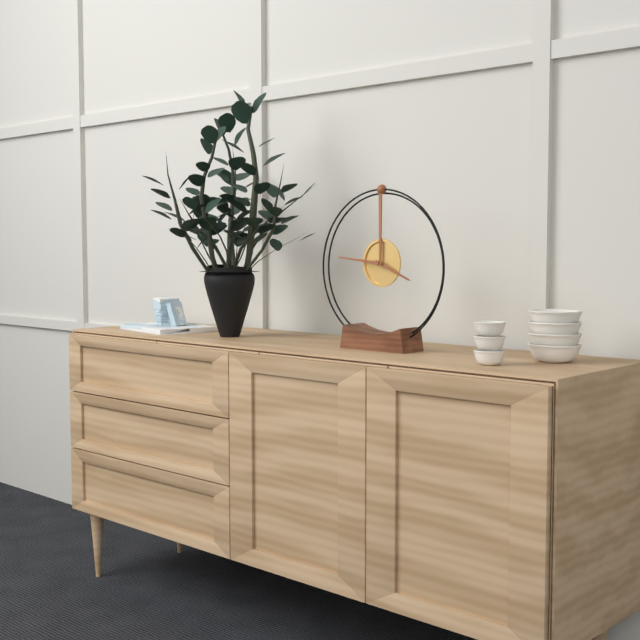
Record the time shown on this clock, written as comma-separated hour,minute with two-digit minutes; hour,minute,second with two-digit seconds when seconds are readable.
3,46
